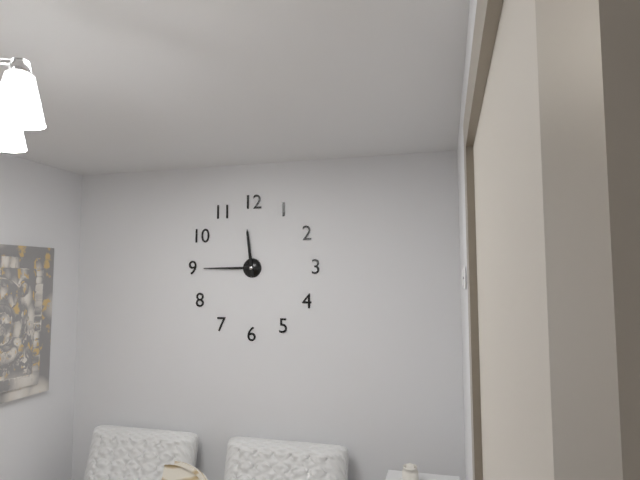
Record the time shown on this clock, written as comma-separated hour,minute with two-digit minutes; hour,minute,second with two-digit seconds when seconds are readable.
11,45
